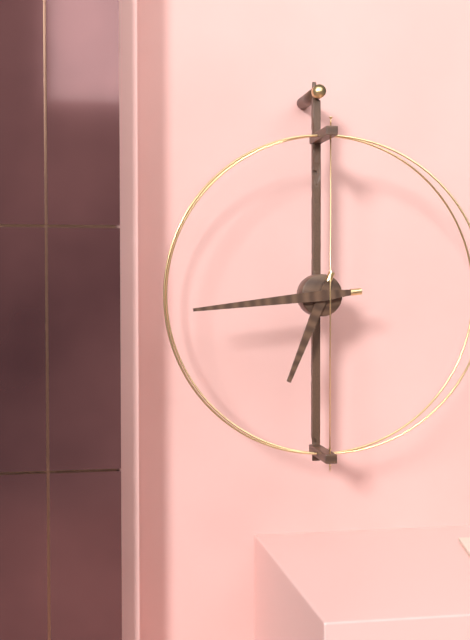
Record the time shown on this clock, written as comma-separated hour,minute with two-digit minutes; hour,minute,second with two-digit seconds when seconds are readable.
6,44
